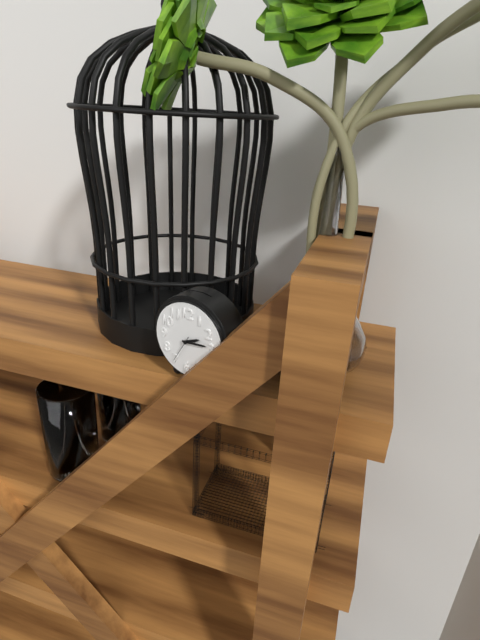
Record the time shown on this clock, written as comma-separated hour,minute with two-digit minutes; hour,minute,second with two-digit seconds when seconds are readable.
2,14
